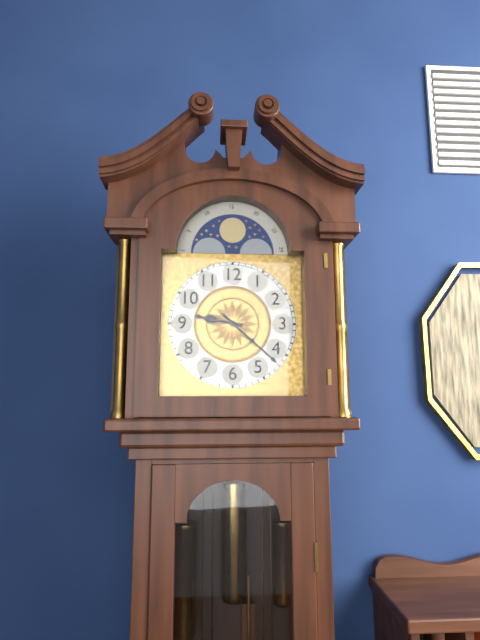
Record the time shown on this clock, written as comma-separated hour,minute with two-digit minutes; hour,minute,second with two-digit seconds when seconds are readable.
9,22
